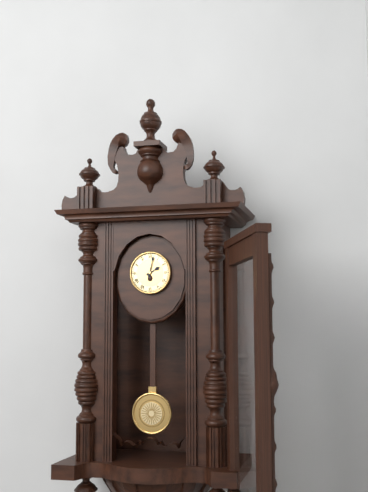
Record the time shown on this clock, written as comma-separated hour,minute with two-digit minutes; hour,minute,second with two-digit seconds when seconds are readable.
2,02
